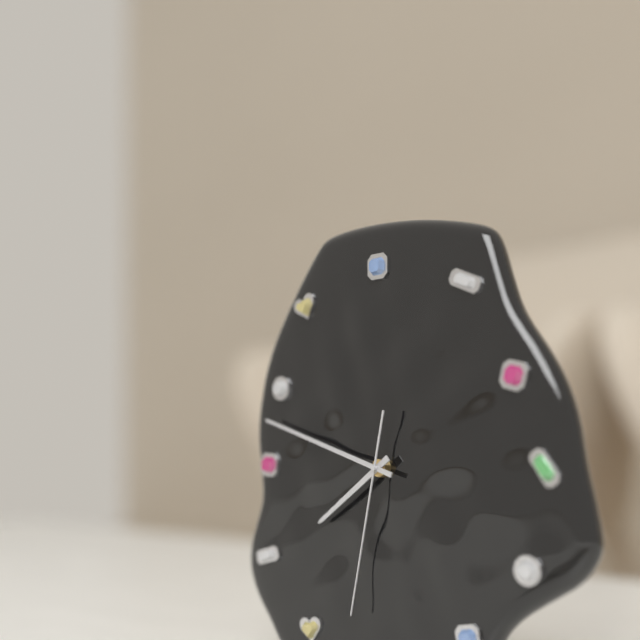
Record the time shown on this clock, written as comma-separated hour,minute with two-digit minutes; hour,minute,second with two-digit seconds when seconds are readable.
7,48,32
